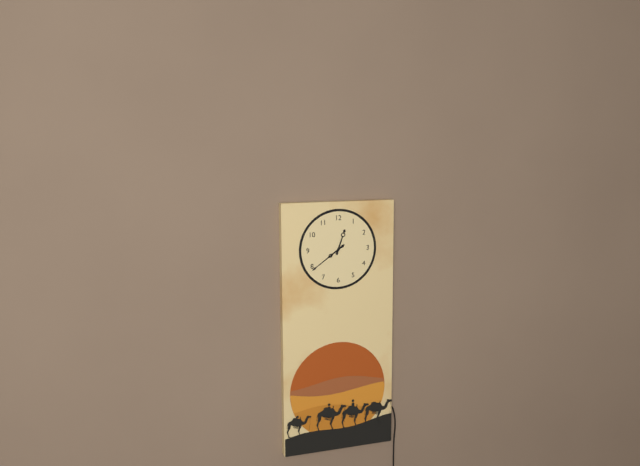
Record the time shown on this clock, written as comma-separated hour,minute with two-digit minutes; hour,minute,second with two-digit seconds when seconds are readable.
12,39
